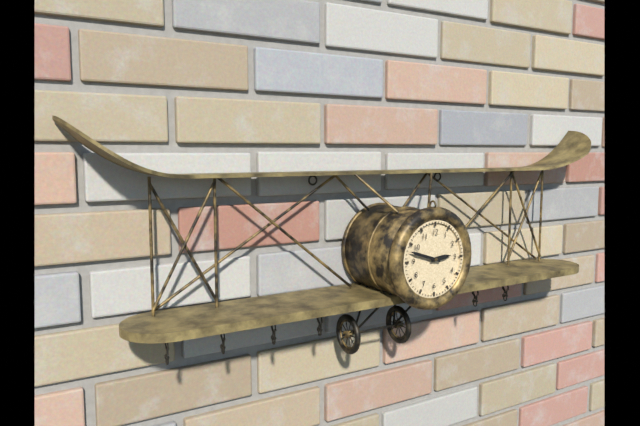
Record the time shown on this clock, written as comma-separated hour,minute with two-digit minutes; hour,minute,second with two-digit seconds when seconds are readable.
2,48
